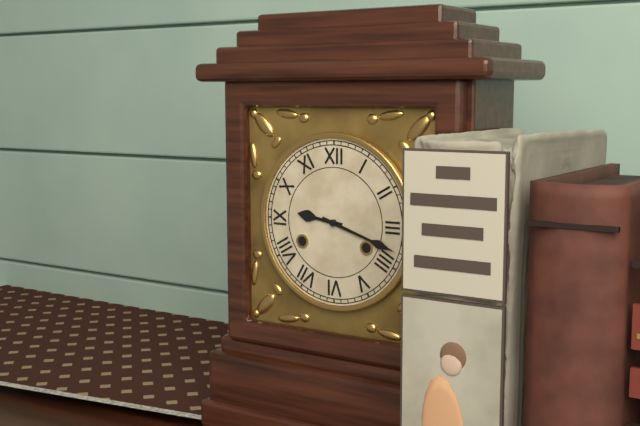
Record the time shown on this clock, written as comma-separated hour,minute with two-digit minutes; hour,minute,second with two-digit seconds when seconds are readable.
9,18
